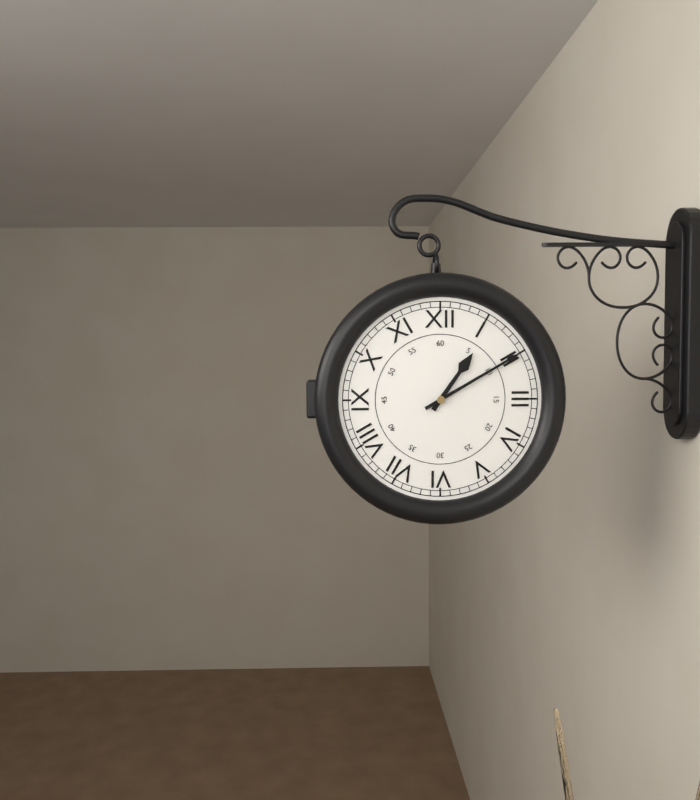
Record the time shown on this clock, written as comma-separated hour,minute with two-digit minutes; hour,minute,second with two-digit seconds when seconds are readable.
1,10
